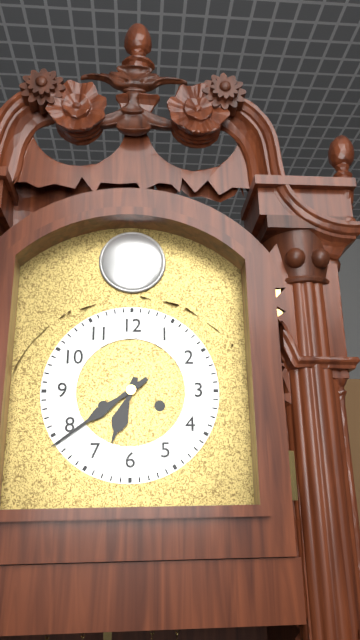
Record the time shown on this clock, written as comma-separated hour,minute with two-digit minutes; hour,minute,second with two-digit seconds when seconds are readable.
6,39
